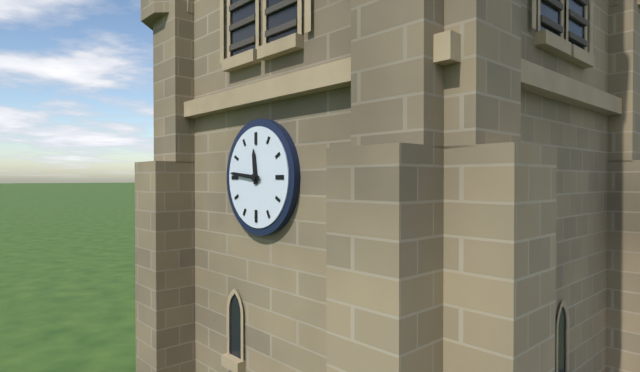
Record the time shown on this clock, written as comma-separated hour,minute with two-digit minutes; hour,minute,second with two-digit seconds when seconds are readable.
11,46
